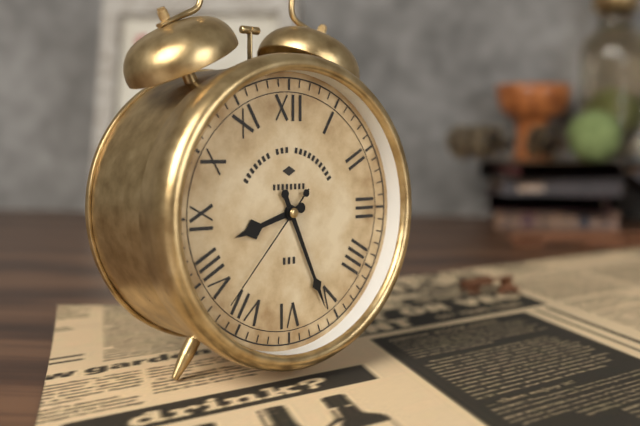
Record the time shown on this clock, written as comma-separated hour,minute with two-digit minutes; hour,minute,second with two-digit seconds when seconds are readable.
8,26,37
